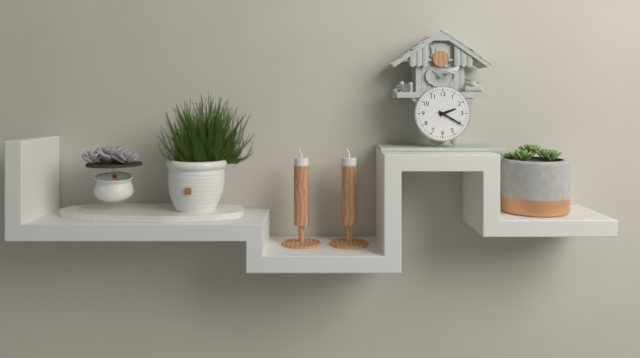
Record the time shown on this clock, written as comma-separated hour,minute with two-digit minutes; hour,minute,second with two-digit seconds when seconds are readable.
2,20
